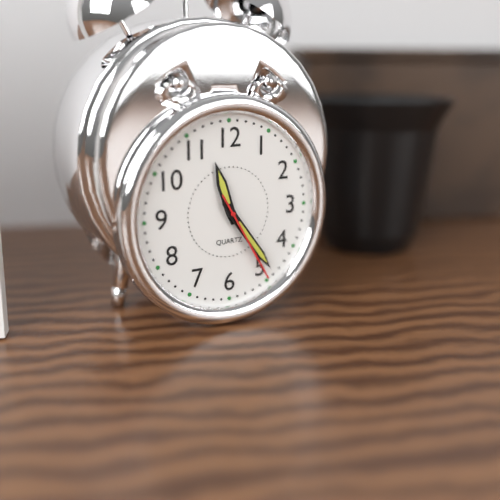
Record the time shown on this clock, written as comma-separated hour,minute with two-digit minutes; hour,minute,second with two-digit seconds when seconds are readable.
11,24,25
